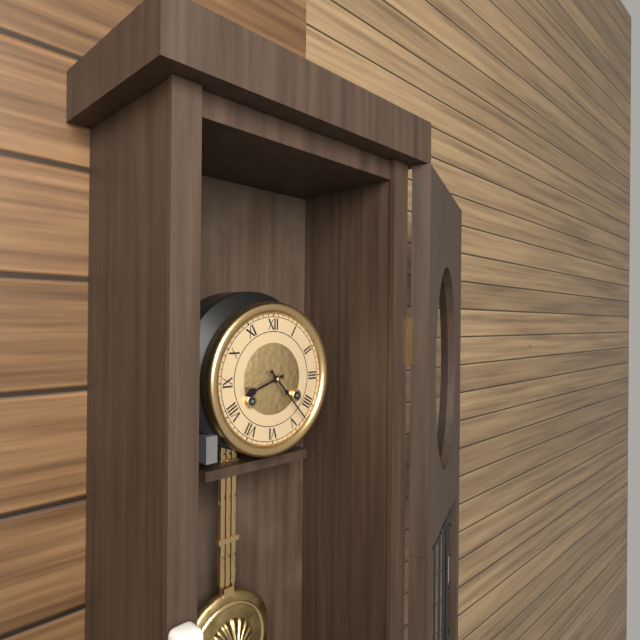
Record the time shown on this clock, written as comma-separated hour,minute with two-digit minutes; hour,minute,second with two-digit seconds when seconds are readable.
8,23
